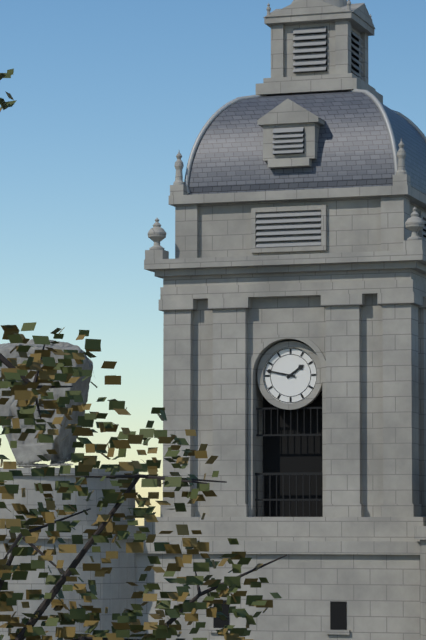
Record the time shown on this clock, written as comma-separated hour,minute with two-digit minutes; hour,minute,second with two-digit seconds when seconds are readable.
1,47
